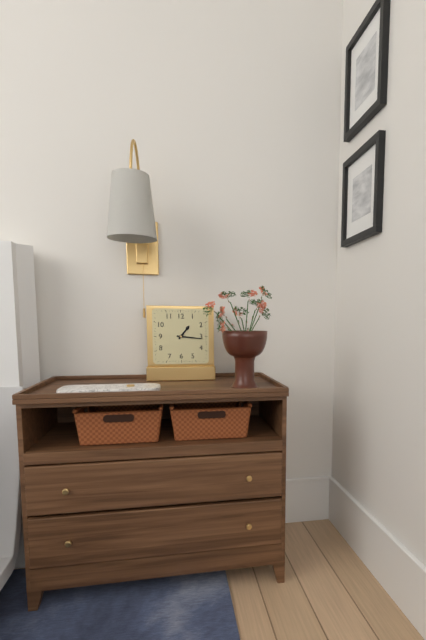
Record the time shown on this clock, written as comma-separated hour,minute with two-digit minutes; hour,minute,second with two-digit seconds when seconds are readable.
1,16
